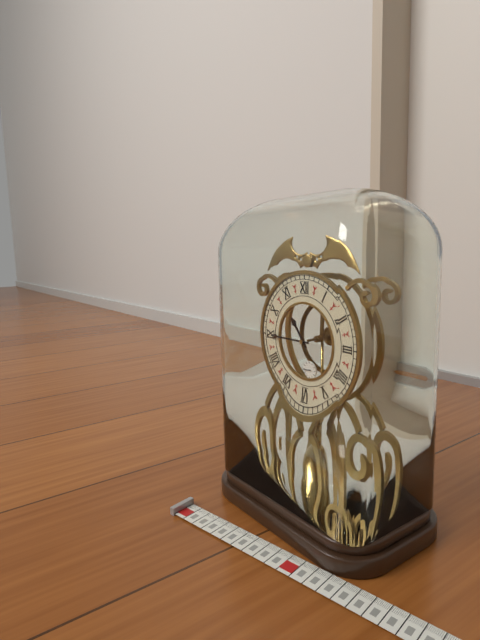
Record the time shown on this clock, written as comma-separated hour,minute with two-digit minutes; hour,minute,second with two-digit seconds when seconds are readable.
10,45
